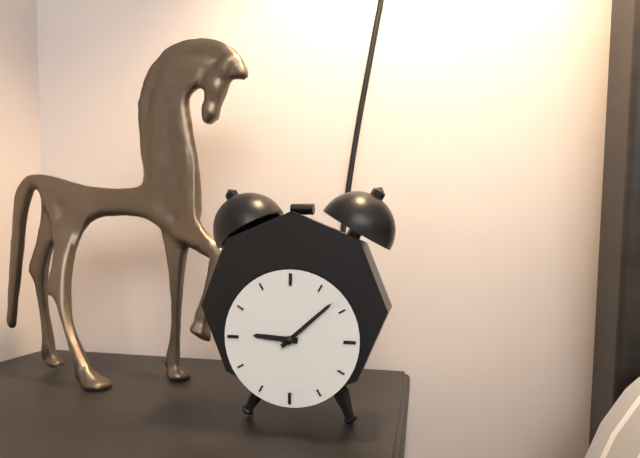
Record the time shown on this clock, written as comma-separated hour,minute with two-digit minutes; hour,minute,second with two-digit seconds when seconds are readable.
9,08
